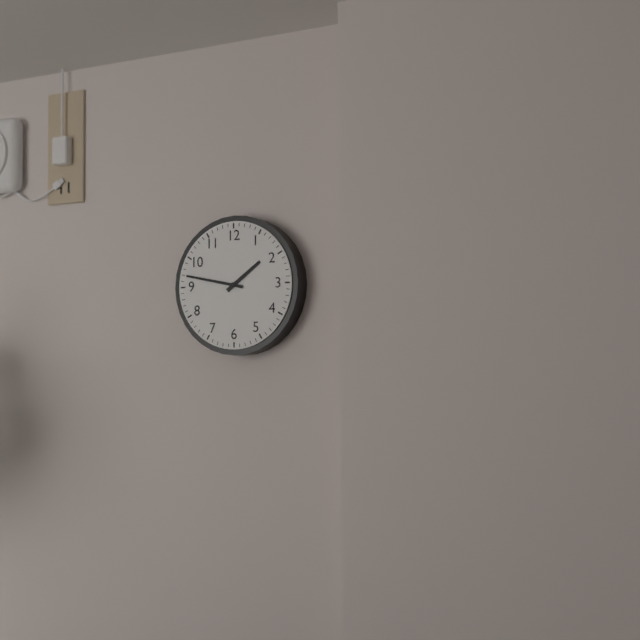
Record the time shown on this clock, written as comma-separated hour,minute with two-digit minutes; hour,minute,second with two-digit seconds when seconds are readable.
1,47
